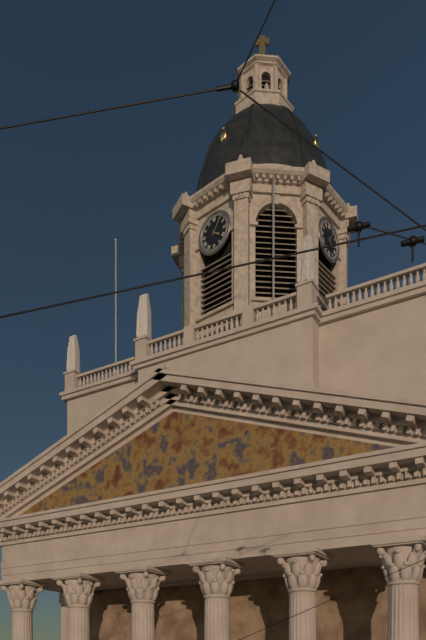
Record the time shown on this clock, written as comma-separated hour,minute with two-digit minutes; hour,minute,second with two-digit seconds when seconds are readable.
4,06
